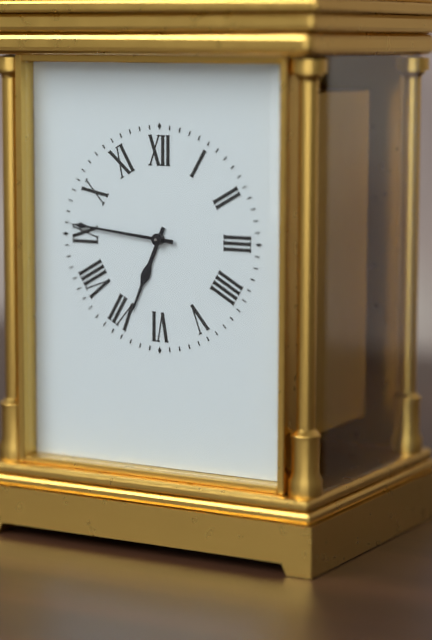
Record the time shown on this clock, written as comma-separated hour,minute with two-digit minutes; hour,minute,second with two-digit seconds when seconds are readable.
6,46
